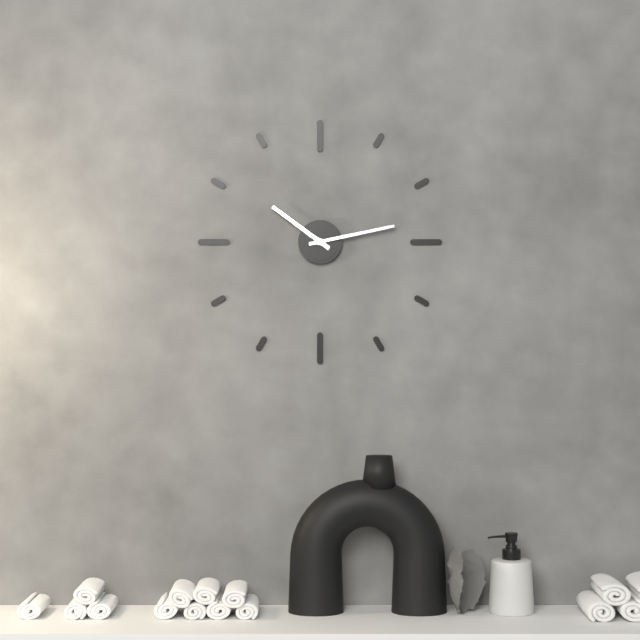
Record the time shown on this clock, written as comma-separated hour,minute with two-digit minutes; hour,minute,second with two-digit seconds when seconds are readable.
10,13
